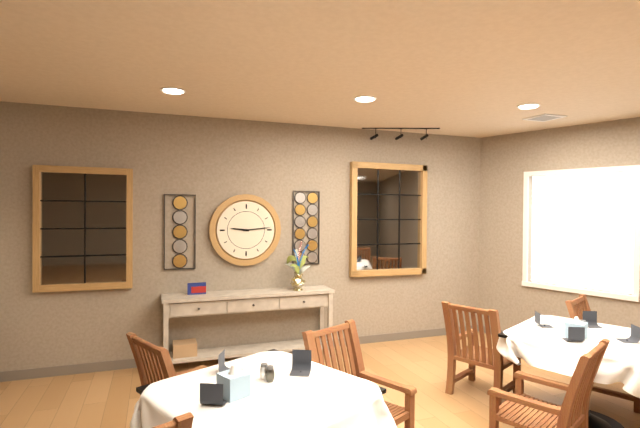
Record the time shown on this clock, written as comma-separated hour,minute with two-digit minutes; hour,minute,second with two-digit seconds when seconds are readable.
9,14
